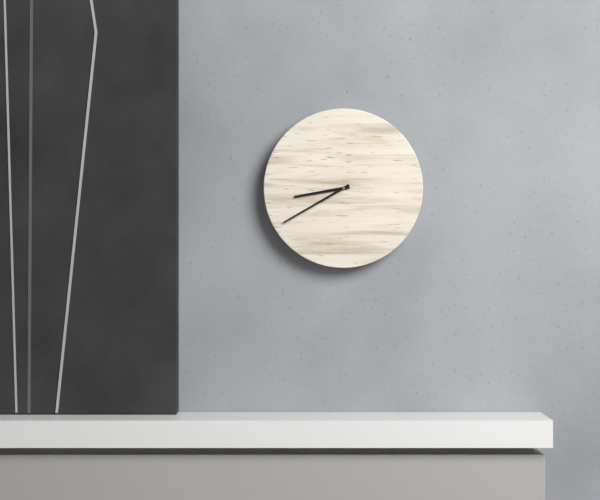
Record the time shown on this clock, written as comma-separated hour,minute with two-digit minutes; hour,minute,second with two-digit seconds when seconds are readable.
8,40
